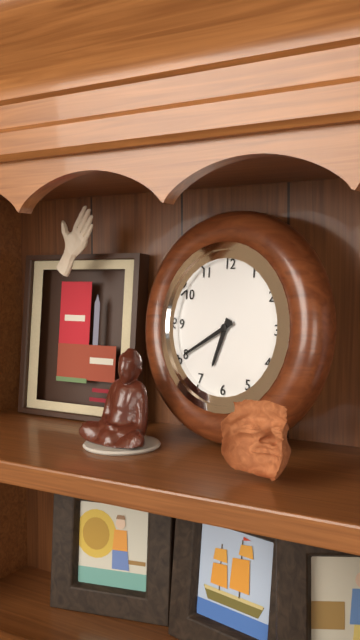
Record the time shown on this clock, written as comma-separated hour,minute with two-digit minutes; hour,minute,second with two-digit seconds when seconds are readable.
6,40
